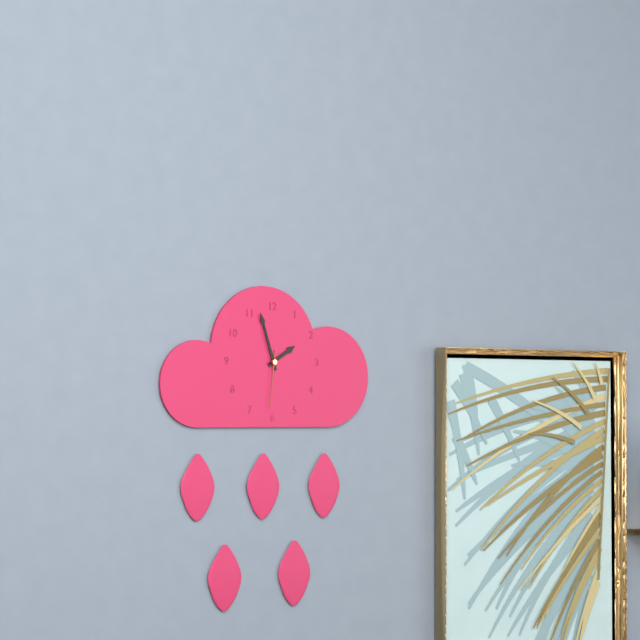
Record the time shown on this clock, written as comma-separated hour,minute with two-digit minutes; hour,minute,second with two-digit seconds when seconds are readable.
1,57,31
